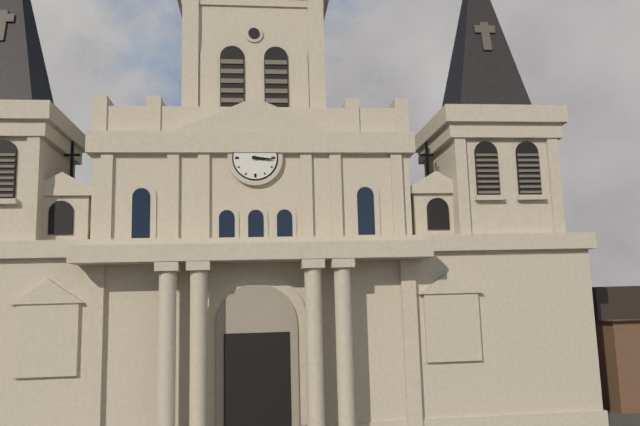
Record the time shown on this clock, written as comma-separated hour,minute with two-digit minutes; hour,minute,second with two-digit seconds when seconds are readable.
3,16
